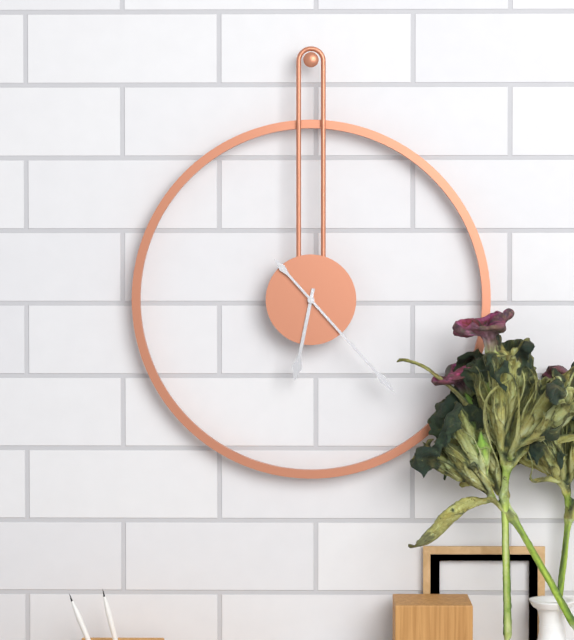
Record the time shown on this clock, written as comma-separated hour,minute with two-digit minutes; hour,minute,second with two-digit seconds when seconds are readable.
6,23
